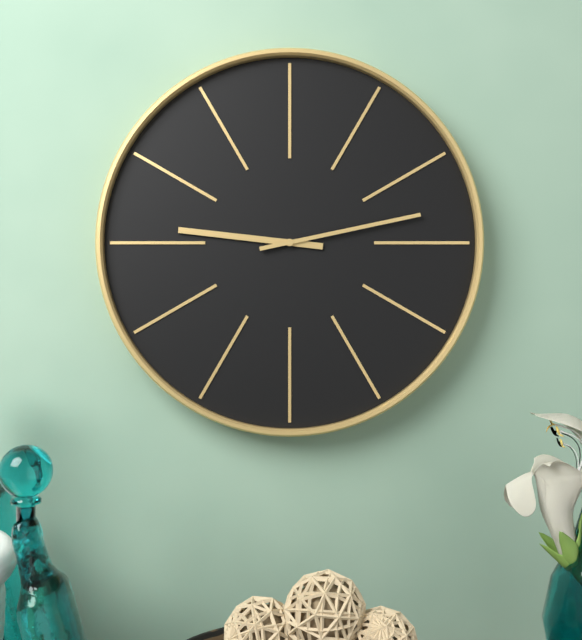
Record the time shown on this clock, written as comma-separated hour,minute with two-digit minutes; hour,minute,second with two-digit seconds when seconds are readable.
9,13
